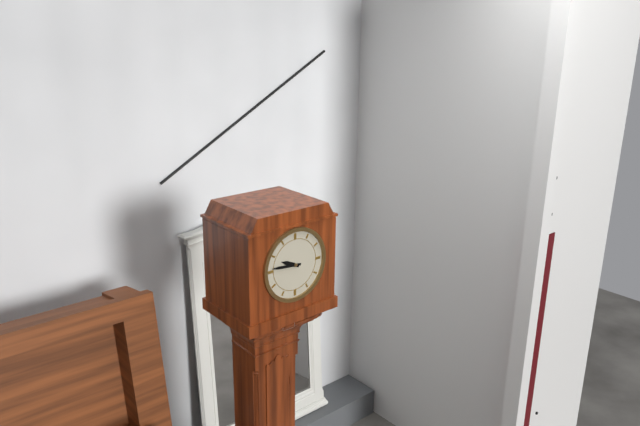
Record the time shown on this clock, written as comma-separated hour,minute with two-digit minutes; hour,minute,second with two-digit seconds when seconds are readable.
9,46
